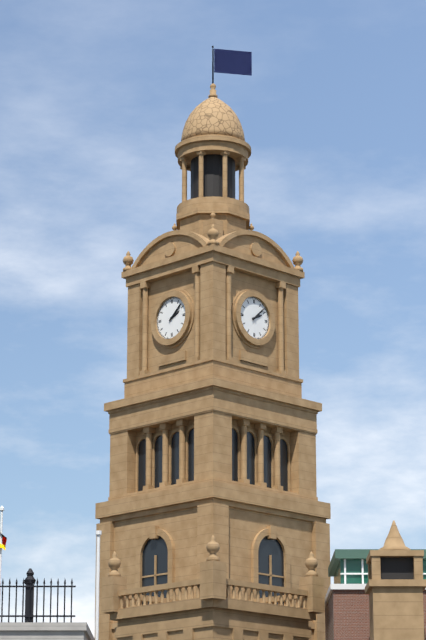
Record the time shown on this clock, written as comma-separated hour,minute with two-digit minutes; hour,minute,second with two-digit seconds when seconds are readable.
2,08
